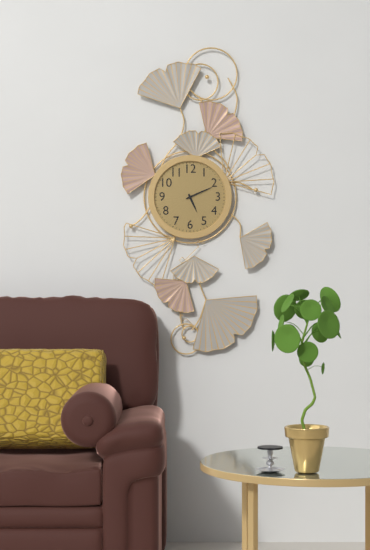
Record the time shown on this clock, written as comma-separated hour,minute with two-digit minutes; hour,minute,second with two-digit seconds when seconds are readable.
5,11
